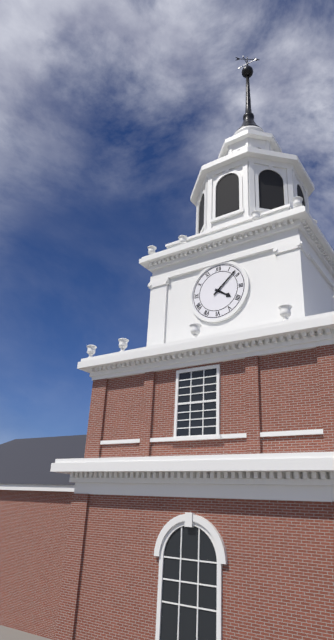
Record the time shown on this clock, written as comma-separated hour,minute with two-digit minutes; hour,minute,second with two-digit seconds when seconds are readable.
4,08
